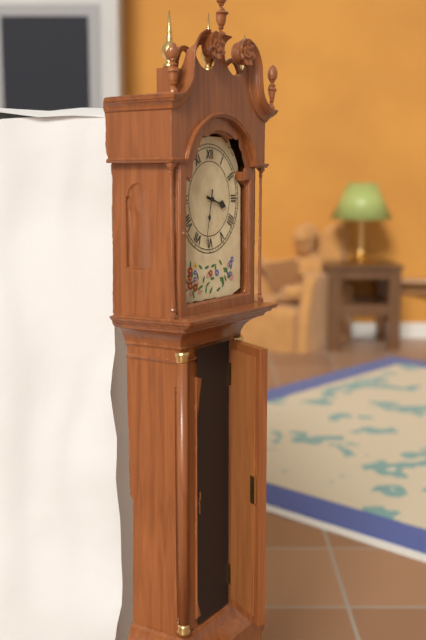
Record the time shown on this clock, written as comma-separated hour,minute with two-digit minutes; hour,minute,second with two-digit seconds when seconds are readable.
3,32
